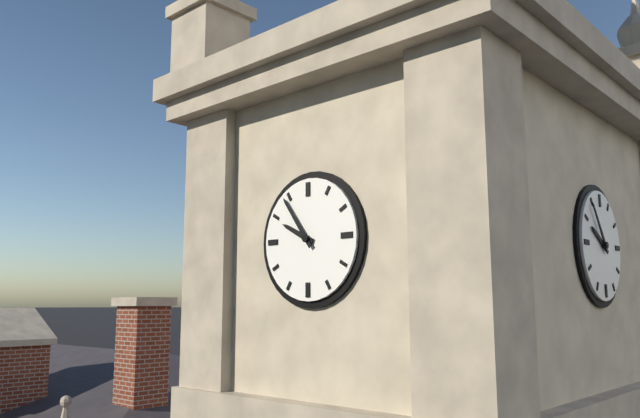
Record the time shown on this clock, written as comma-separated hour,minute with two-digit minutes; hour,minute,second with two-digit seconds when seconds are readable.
9,54
